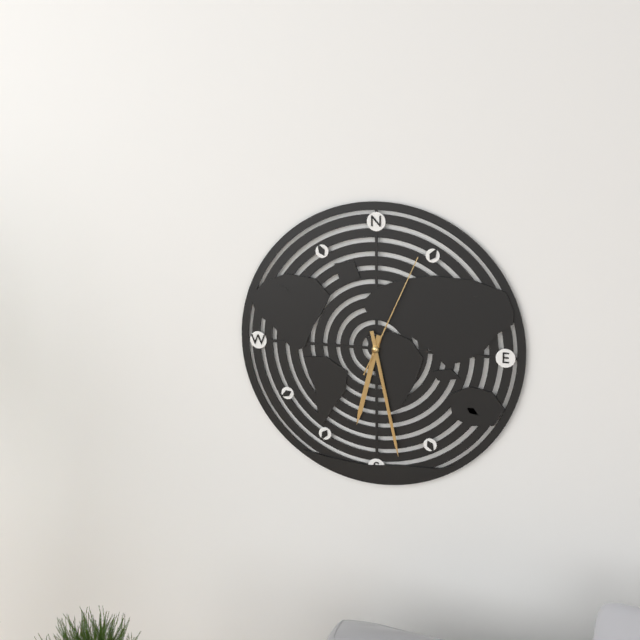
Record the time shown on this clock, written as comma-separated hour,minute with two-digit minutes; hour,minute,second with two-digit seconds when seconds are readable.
6,28,04
